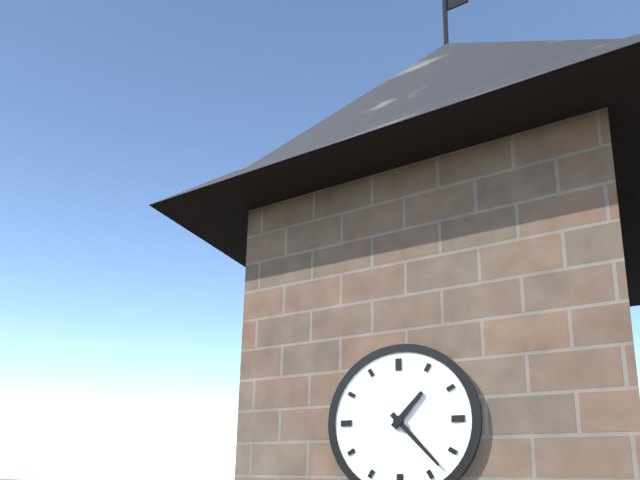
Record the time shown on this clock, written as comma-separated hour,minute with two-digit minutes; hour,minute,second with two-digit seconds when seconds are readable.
1,23
